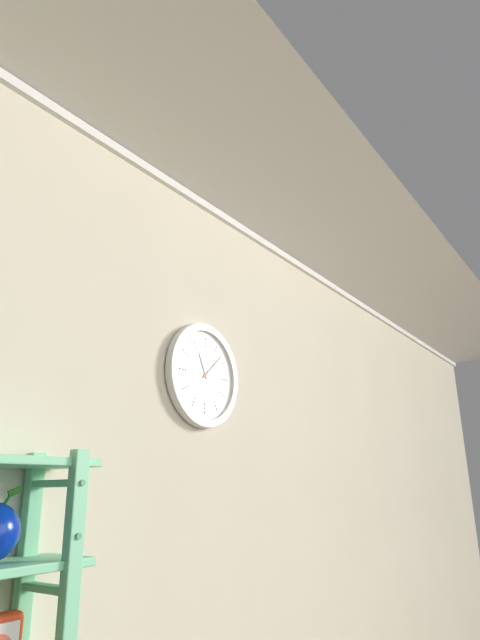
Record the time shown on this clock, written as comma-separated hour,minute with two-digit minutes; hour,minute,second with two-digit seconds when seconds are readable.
11,08
